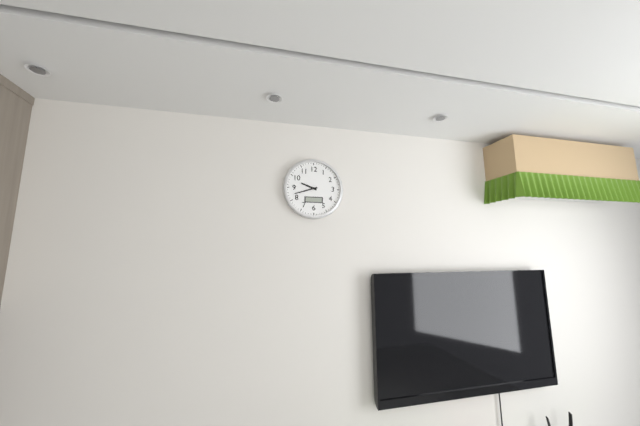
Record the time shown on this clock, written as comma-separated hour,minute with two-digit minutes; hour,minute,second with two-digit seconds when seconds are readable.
9,42
